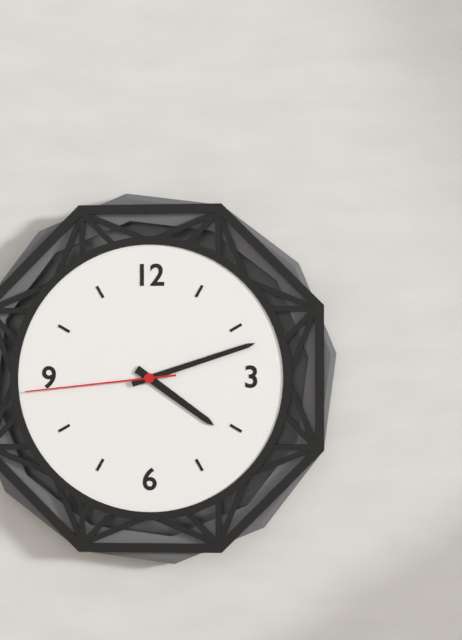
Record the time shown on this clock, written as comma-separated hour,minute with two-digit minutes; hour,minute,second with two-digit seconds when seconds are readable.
4,12,44
